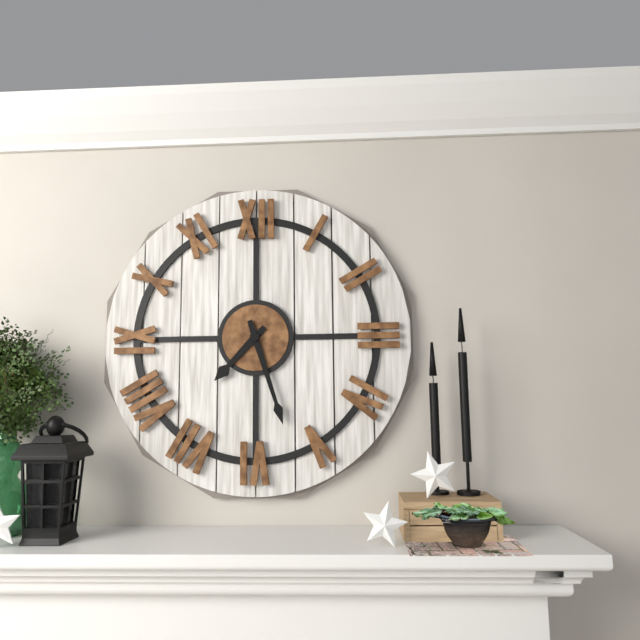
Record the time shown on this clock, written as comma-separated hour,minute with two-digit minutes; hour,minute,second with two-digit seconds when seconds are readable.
7,27
